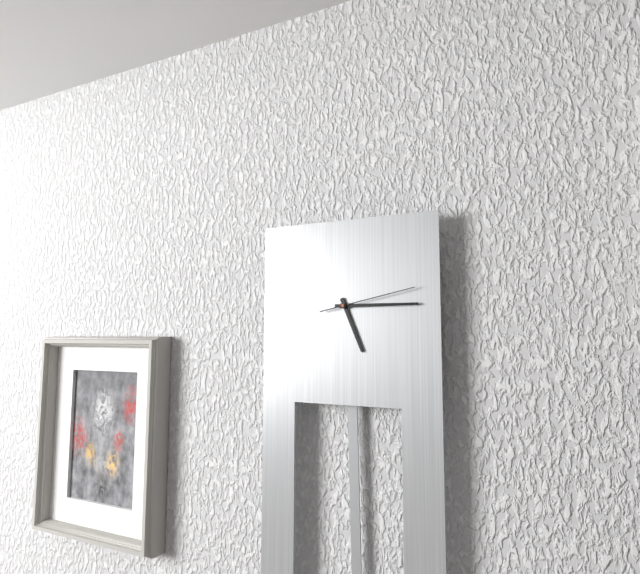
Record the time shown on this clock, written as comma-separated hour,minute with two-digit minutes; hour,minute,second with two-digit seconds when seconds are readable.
5,15,13
